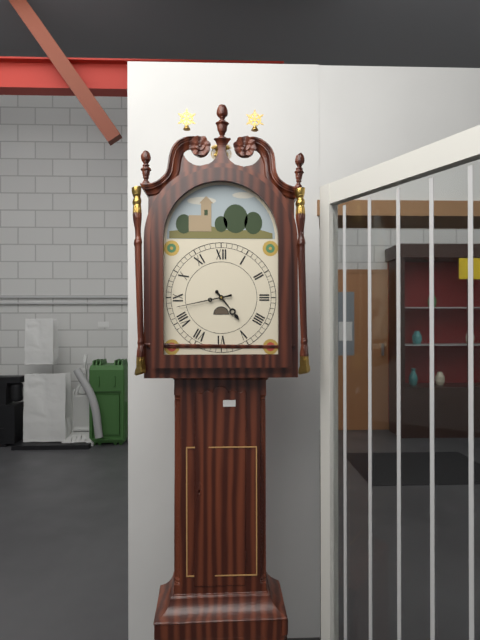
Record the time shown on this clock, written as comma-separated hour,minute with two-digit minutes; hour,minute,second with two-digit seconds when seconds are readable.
4,43
